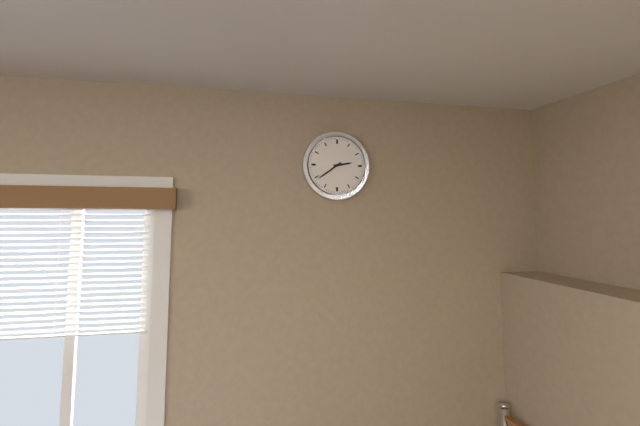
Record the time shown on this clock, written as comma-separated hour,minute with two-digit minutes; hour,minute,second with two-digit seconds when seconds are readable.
2,39
